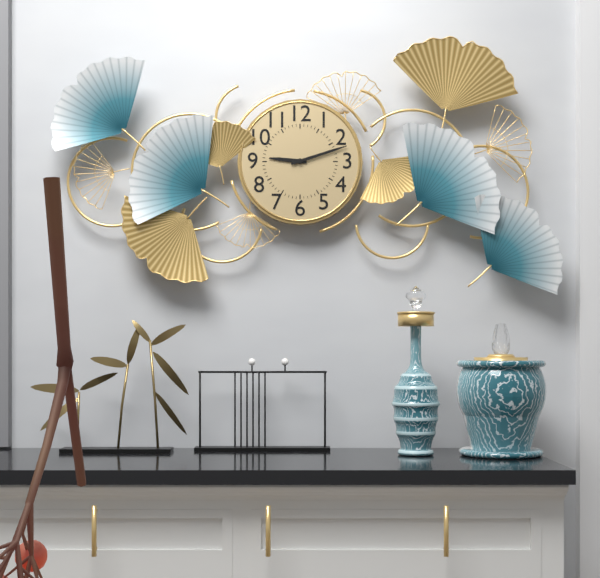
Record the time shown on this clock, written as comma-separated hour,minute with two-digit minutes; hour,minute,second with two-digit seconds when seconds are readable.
9,12
